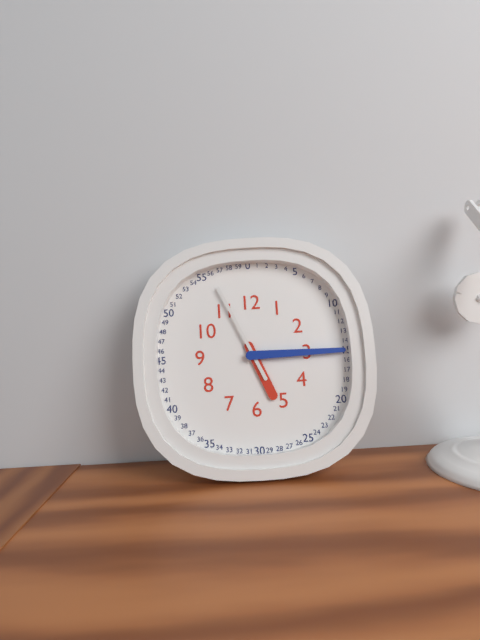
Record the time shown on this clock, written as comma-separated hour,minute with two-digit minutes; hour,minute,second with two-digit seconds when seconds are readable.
5,15,56
